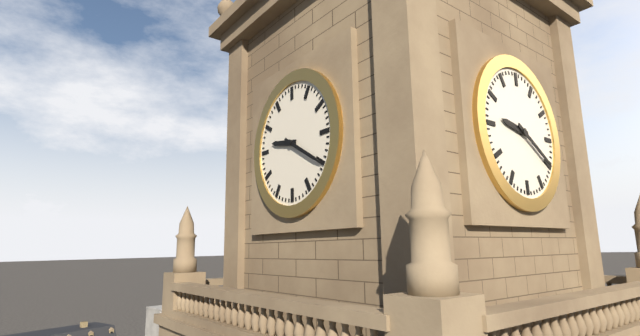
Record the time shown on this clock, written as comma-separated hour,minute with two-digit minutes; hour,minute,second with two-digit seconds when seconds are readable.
9,20
